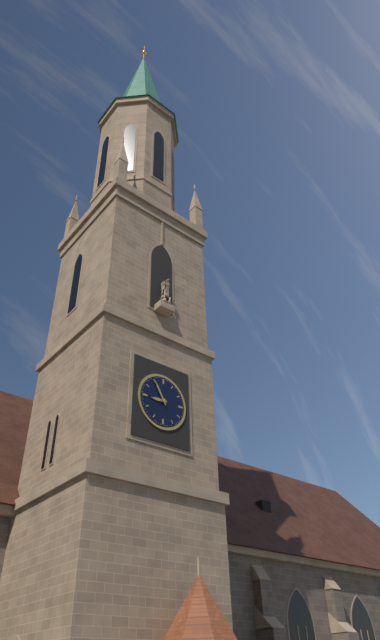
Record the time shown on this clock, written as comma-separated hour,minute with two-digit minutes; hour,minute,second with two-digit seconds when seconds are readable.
8,55
